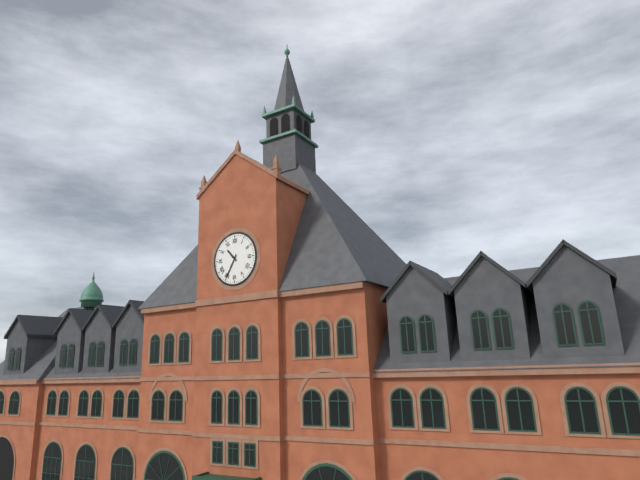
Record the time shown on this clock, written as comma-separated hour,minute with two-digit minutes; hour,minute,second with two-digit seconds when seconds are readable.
10,35
